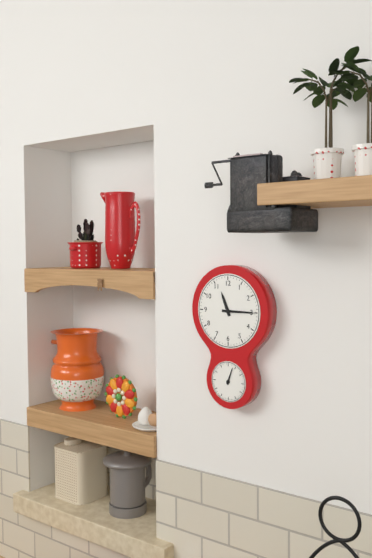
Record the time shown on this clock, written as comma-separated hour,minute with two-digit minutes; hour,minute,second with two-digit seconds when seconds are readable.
11,15
